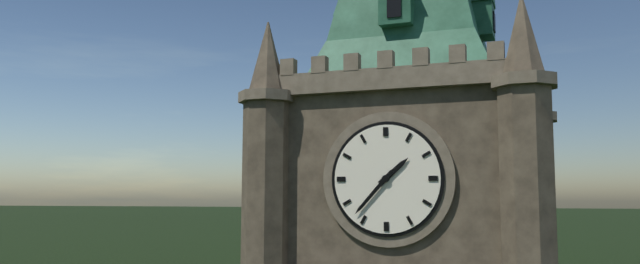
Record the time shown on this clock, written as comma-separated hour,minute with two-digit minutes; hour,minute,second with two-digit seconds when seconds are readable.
1,37
